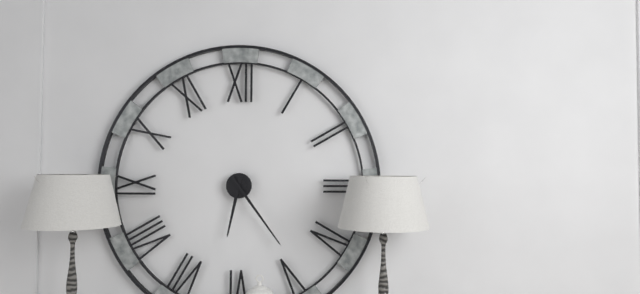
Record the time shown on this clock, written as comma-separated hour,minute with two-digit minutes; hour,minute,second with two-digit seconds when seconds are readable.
6,24
